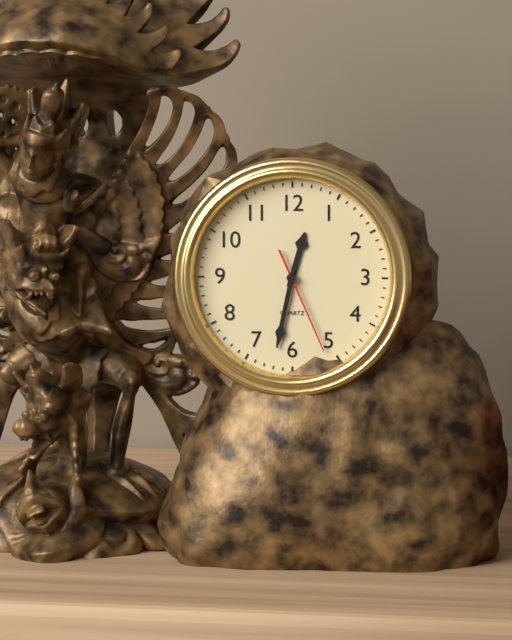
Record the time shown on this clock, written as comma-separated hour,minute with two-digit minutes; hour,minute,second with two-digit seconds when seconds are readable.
12,32,26
